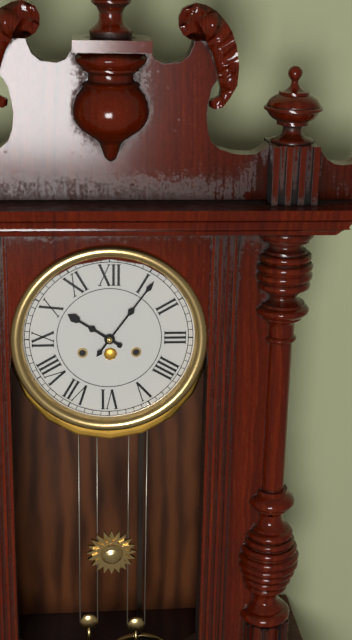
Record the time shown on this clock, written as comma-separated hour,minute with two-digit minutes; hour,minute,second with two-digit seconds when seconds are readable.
10,06
